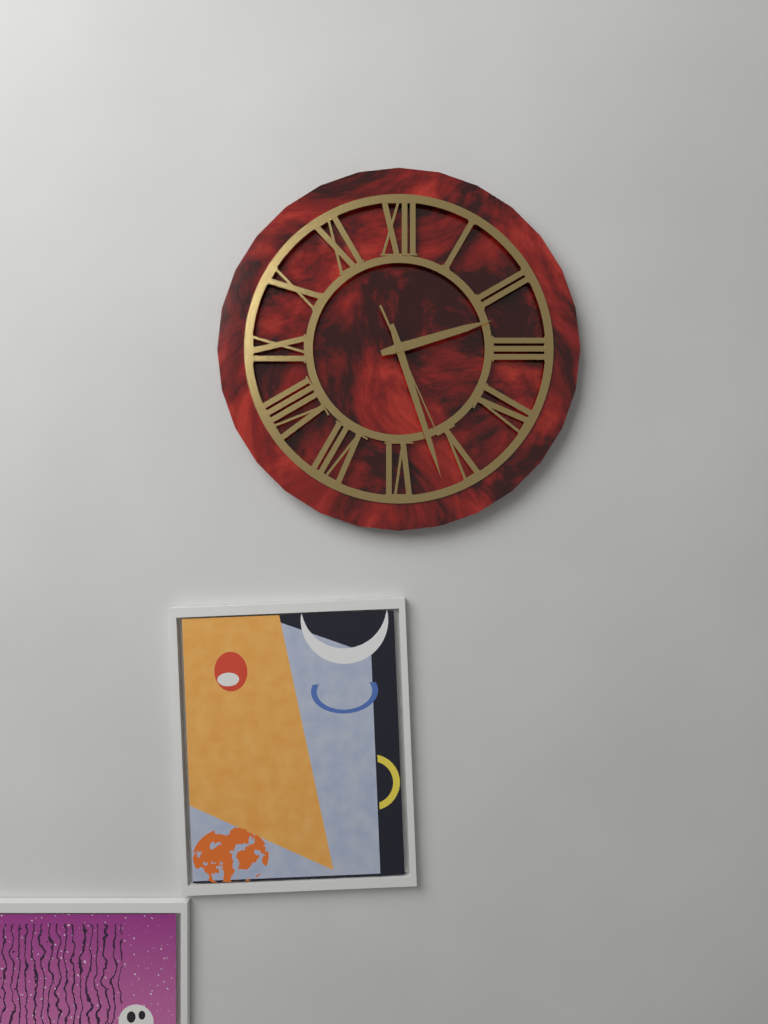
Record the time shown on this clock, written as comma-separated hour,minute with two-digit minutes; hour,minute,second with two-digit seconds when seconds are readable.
2,27,26
